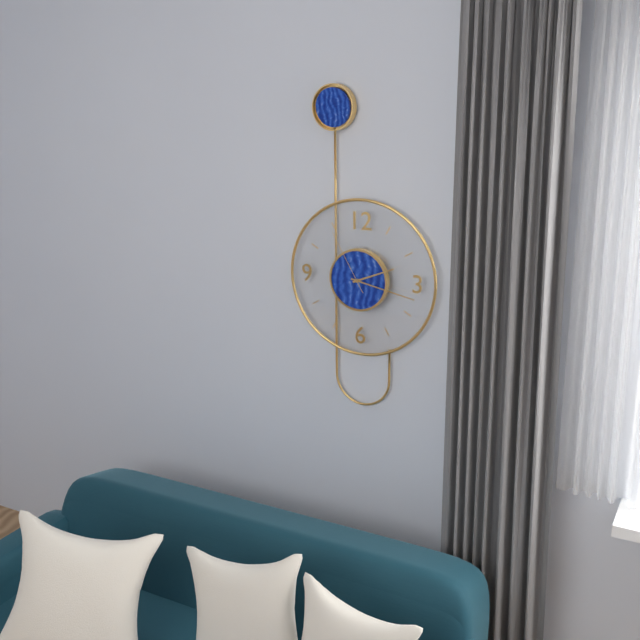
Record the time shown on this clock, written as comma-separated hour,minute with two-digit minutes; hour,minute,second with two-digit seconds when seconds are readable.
2,17,55
